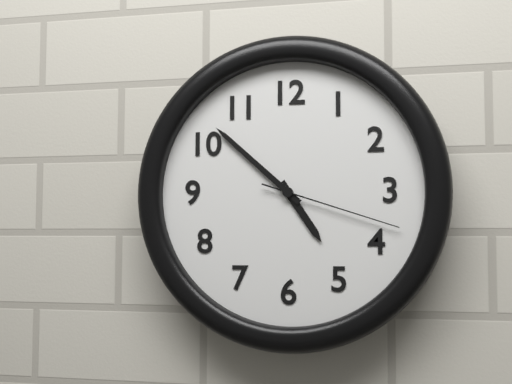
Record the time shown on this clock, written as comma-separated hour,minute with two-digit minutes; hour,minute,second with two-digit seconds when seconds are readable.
4,52,18
